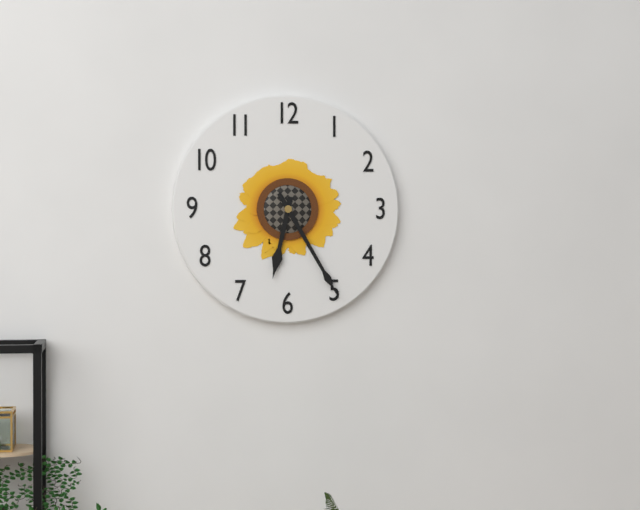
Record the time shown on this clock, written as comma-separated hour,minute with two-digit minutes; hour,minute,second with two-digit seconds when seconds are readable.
6,25
